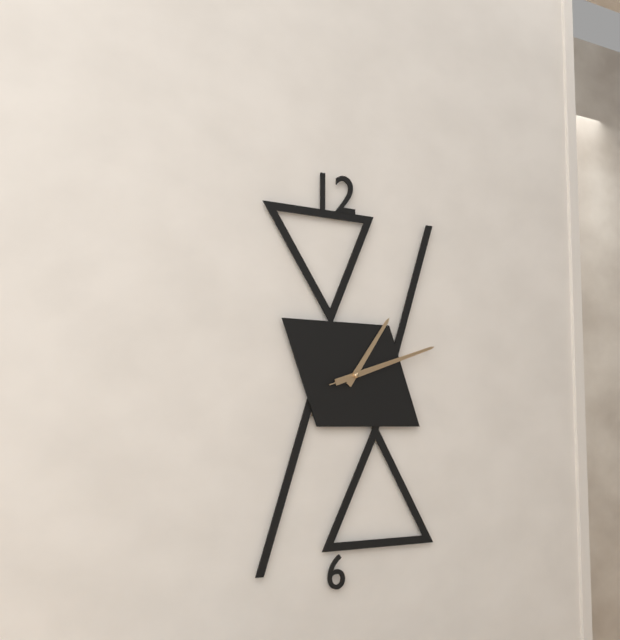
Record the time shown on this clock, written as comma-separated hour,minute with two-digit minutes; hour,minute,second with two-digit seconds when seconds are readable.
1,12,12
